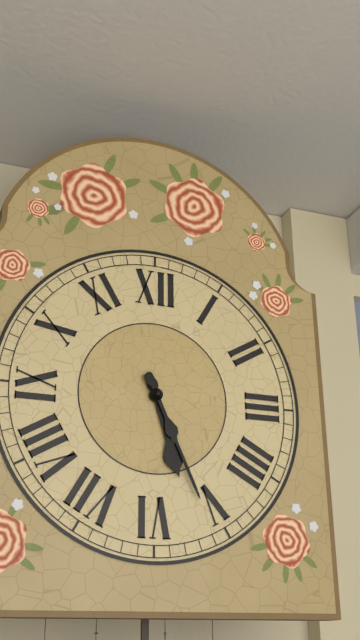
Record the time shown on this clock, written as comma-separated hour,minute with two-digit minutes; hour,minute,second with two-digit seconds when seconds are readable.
5,26
